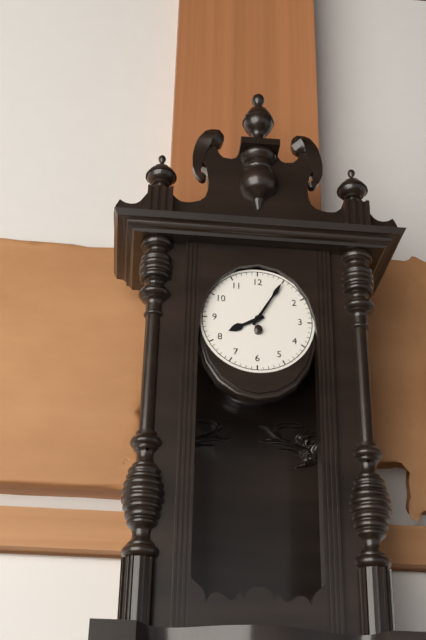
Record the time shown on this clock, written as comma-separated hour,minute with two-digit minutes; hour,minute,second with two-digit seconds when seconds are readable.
8,05
